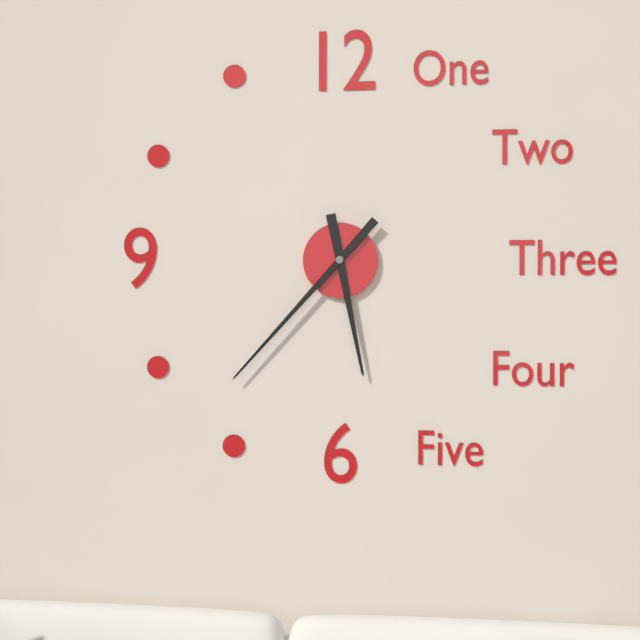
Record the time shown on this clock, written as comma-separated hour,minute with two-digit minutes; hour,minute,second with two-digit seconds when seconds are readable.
5,37
